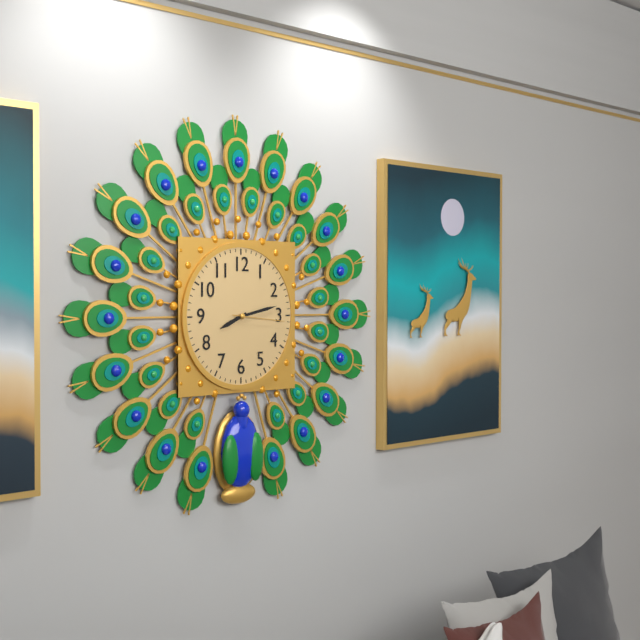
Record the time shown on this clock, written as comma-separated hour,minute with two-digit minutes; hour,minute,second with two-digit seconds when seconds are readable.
8,13,16
